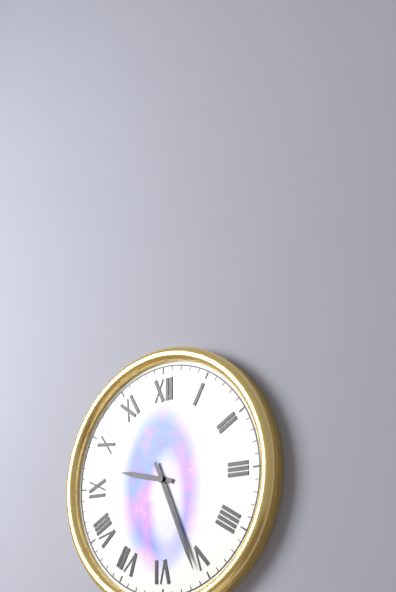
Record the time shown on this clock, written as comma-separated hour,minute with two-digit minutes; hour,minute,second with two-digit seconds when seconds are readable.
9,26
